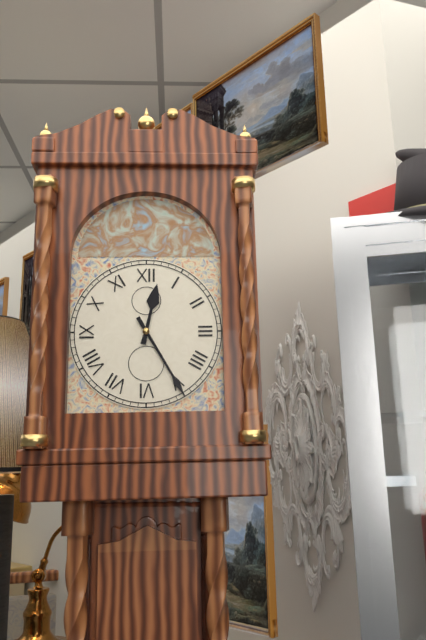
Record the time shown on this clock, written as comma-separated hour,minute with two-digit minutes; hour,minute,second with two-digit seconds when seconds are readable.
12,25
